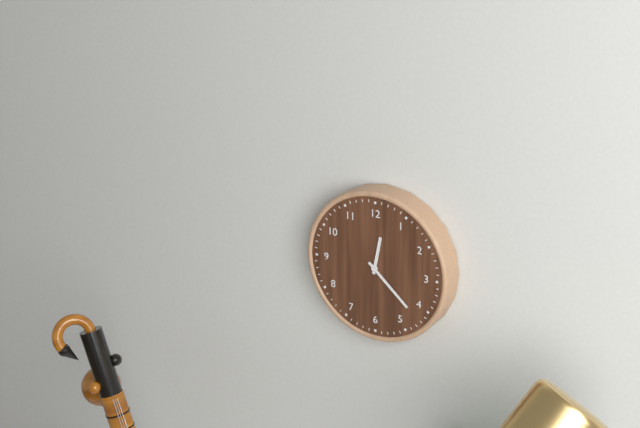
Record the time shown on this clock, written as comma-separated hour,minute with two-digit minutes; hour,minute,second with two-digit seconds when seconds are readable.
12,22
